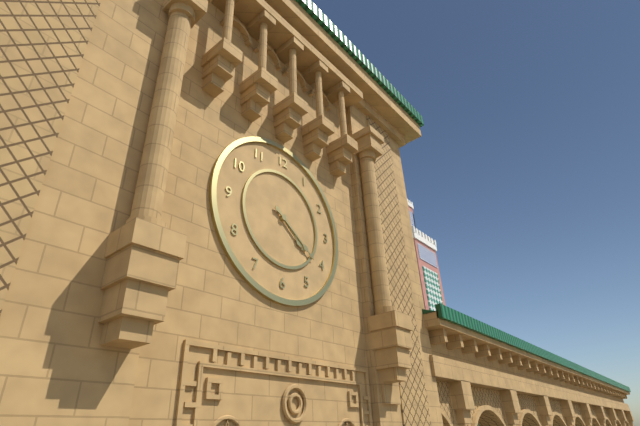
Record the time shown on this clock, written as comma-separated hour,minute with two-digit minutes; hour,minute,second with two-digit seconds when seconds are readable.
4,21
